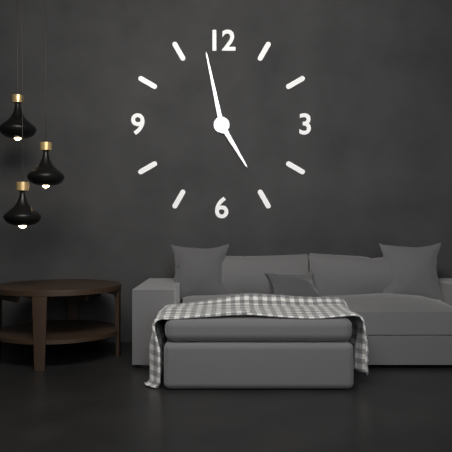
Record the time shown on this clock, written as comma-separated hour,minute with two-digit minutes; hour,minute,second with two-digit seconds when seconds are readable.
4,58
